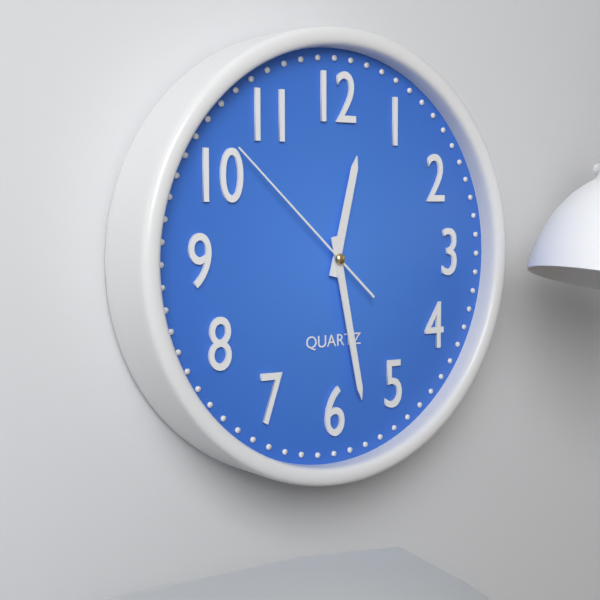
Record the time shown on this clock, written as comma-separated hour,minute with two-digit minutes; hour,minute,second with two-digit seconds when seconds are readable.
12,28,52
